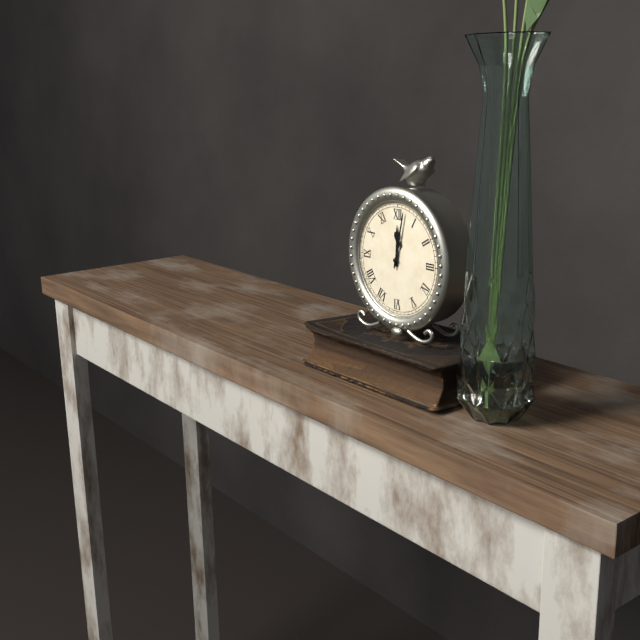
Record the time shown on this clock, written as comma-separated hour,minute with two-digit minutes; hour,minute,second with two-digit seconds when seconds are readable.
12,02
